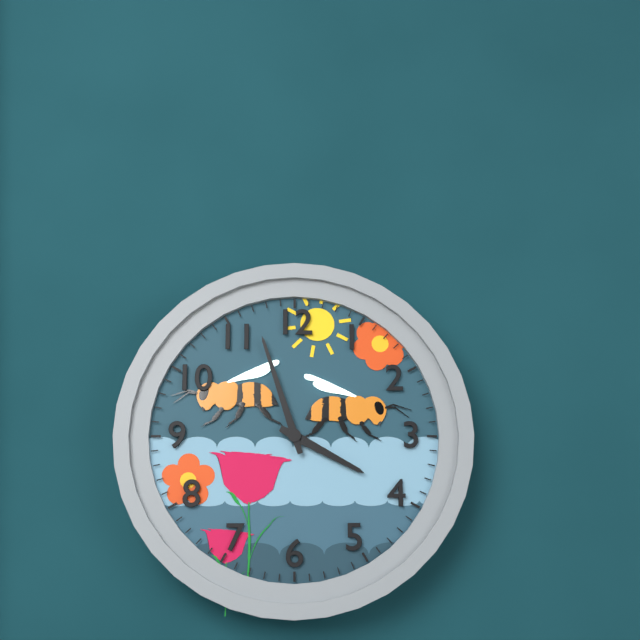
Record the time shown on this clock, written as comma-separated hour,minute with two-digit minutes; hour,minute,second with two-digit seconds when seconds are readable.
3,57
